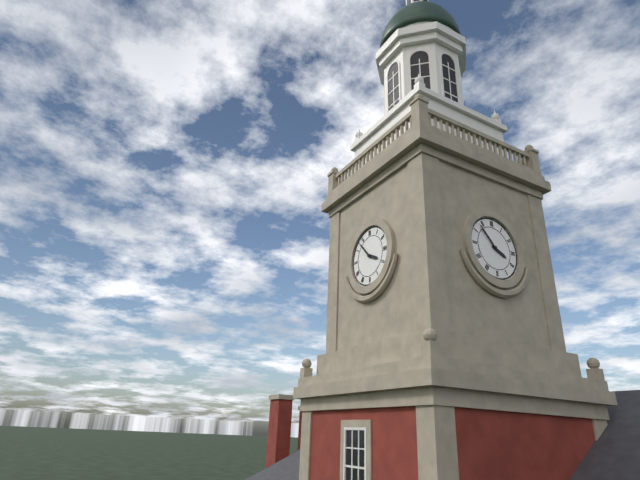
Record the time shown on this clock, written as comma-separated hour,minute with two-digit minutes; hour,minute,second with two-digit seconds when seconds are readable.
3,53
